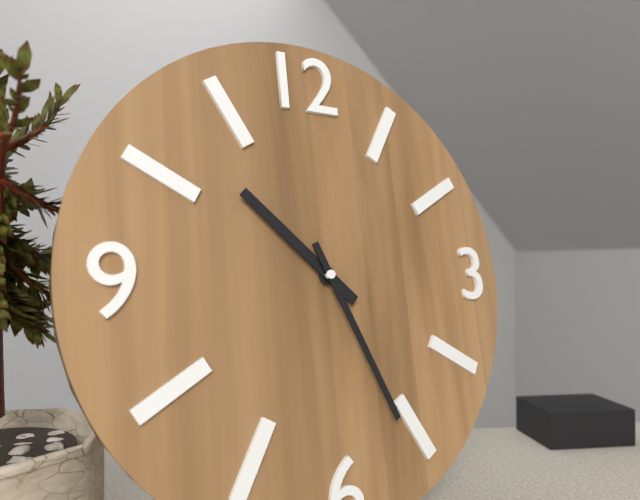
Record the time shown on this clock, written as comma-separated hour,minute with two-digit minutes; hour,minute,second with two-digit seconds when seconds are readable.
10,26
